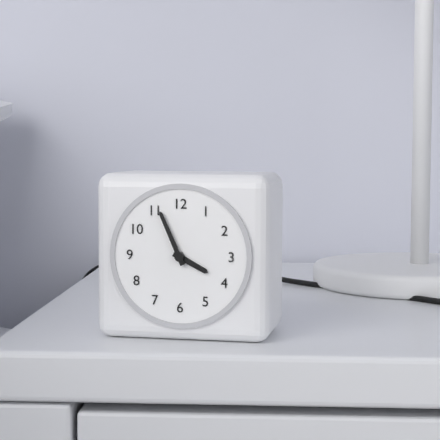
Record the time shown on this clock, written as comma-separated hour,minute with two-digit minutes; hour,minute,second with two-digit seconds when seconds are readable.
3,56
